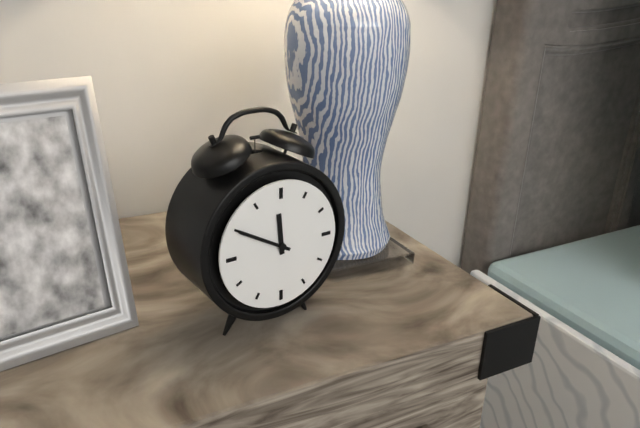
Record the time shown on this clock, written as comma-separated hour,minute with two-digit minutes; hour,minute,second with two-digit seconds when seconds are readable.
11,50
